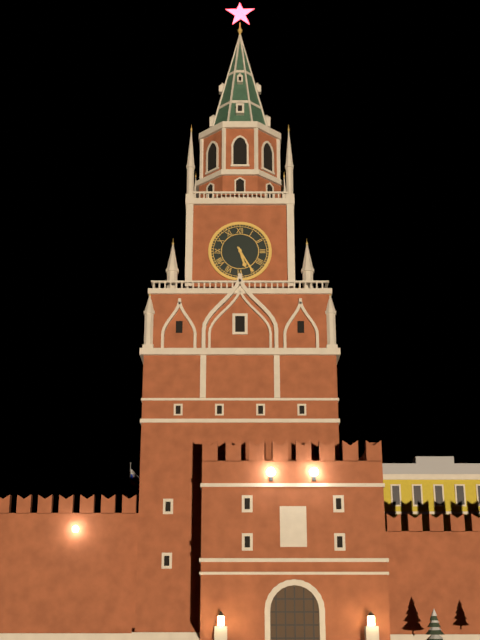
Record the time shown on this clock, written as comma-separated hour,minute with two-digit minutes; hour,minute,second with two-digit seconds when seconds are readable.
5,25
